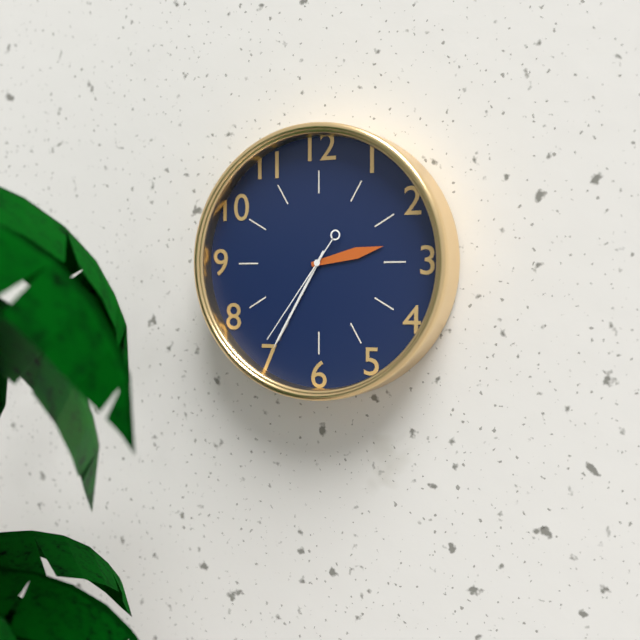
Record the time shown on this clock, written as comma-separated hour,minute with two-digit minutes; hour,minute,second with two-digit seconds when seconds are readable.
2,35,36
